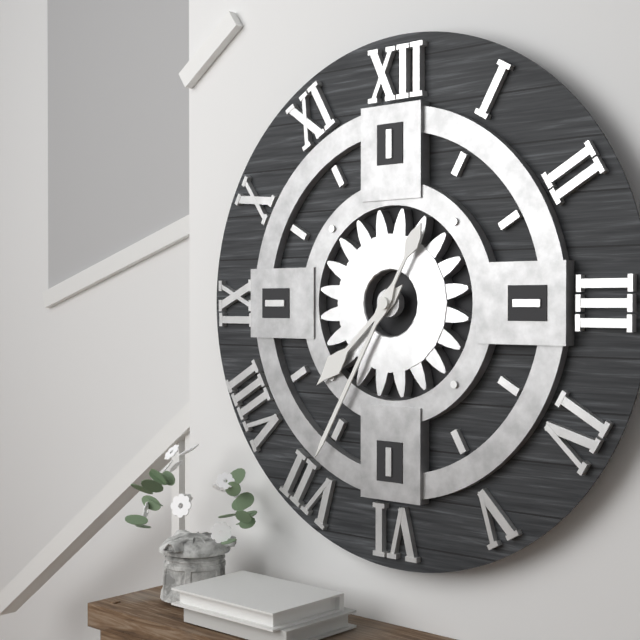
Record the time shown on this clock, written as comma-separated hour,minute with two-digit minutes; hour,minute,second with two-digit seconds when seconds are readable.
7,35
